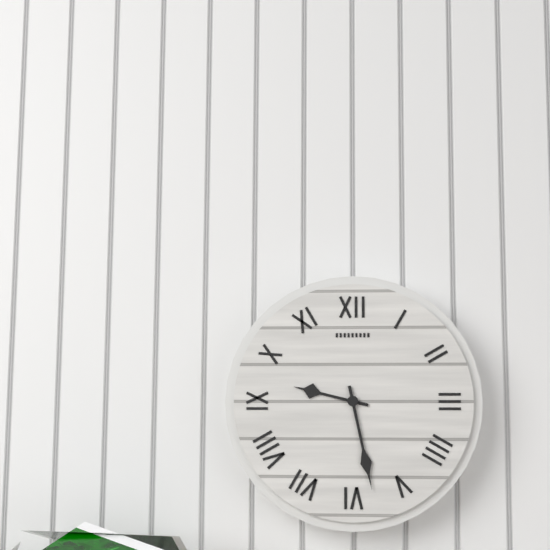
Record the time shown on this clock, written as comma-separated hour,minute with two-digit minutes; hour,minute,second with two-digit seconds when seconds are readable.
9,28
